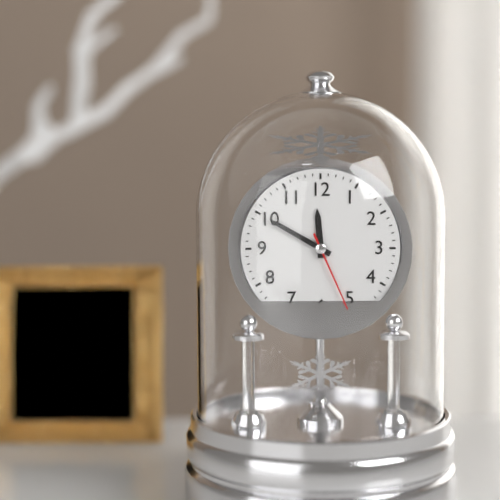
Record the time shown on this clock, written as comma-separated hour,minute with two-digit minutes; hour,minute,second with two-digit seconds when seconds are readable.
11,50,26
